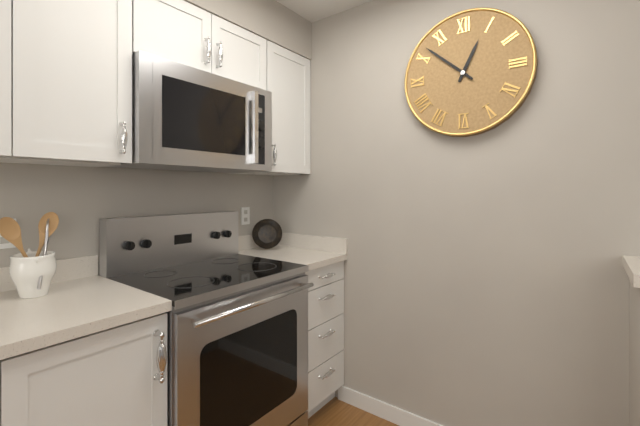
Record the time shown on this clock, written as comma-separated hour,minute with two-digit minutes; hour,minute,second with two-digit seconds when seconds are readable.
12,52
